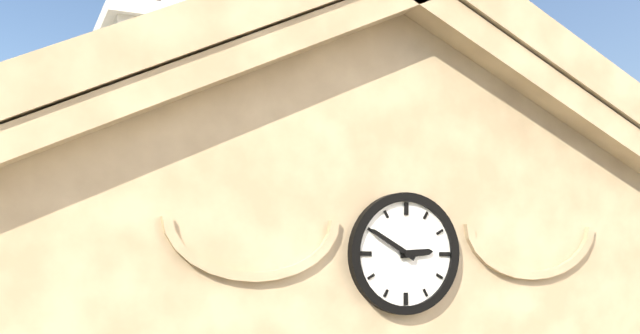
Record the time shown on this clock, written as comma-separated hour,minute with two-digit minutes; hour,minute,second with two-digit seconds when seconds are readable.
2,50
